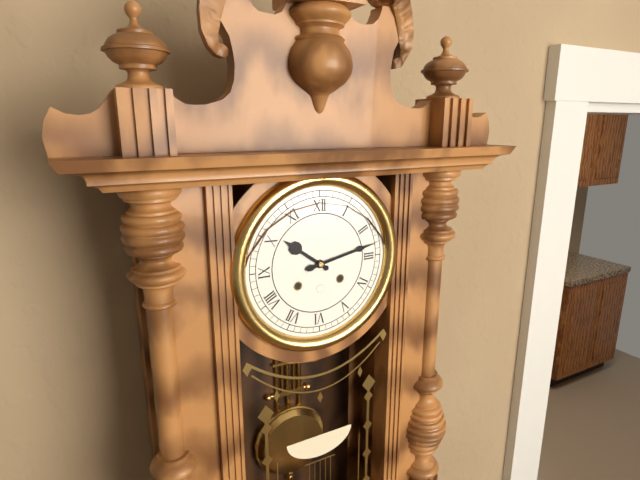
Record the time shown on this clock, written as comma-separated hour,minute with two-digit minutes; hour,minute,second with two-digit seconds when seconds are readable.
10,13
